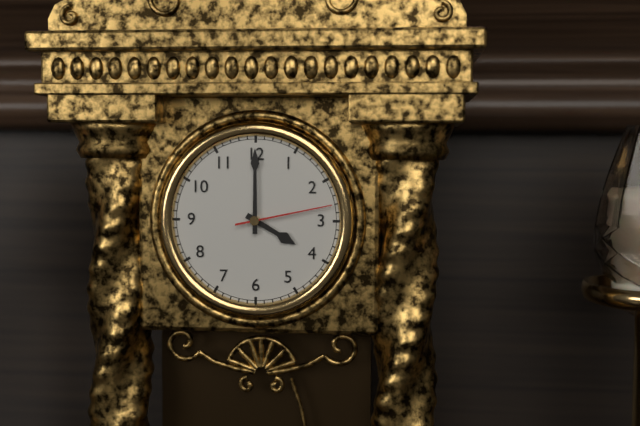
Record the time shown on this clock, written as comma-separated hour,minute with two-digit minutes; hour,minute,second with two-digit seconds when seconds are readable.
4,00,13
